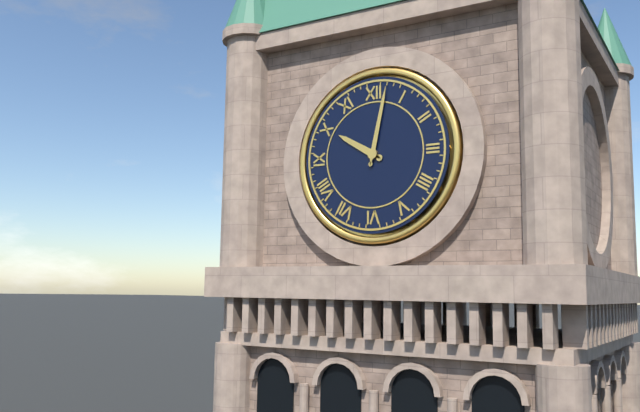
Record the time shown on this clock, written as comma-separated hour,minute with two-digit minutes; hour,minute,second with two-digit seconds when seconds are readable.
10,02
